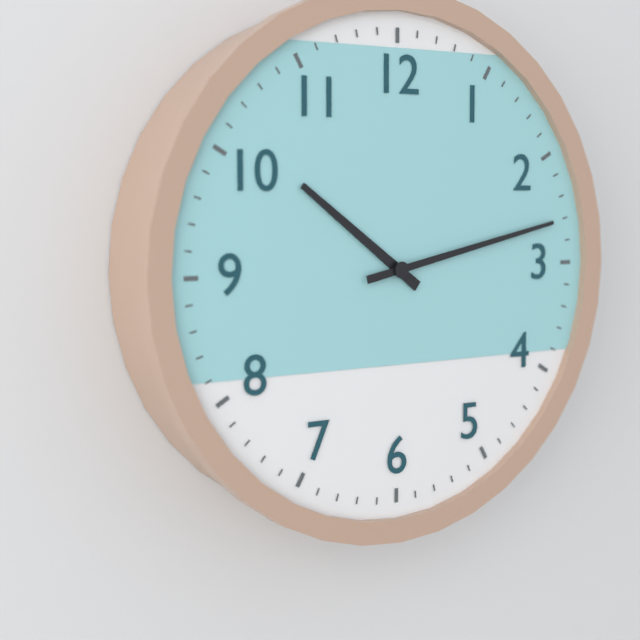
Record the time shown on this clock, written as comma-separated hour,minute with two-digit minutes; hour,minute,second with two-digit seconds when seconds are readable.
10,13
